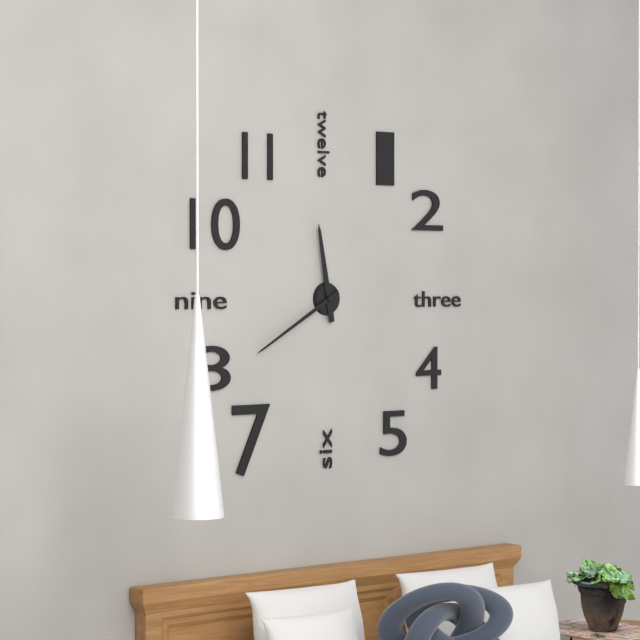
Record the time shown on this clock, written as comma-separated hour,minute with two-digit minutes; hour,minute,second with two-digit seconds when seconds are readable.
11,40
